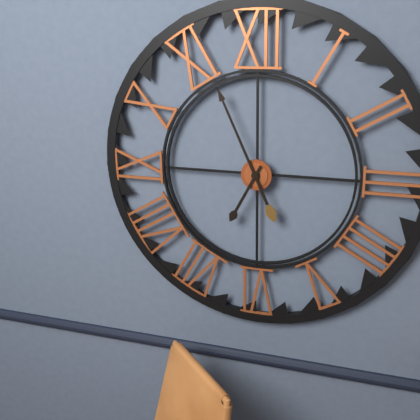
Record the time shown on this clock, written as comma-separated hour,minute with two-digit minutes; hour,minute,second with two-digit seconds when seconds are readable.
6,56
